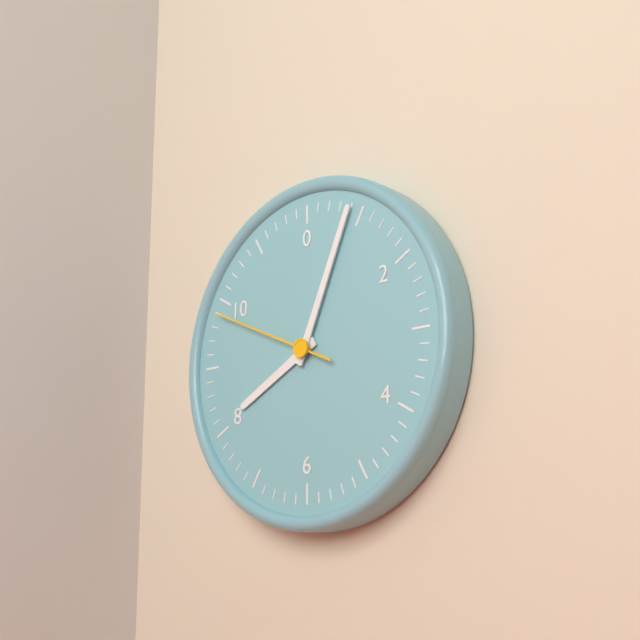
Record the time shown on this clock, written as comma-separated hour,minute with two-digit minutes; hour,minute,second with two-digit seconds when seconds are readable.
8,04,49
